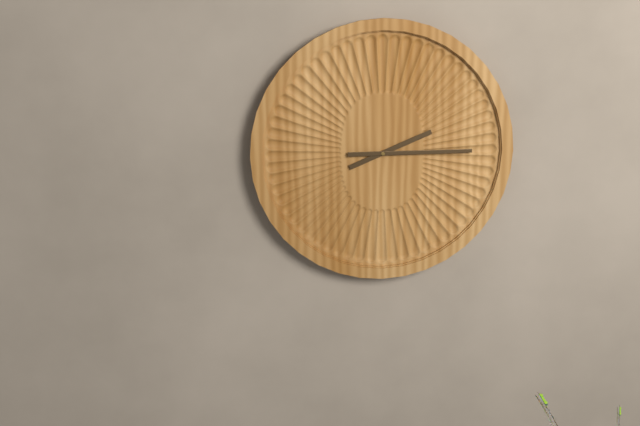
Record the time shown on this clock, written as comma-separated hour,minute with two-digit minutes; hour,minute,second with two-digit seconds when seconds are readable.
2,15
